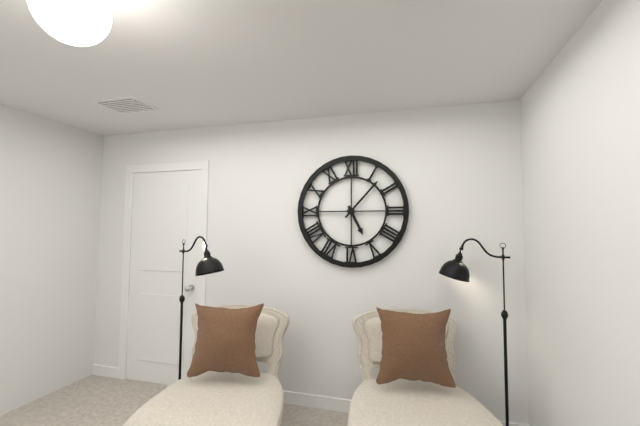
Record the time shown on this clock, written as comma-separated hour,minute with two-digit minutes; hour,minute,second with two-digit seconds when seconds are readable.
5,07
